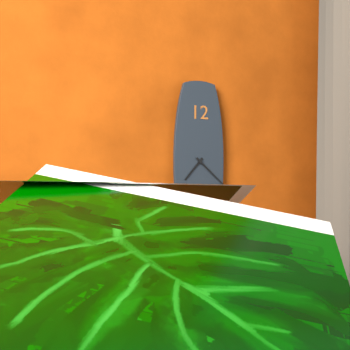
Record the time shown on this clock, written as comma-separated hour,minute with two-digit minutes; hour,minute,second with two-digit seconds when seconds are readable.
7,22
